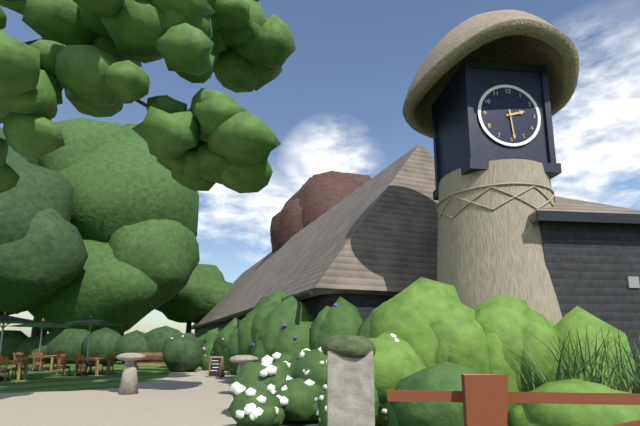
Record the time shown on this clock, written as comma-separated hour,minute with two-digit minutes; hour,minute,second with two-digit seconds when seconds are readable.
2,29
